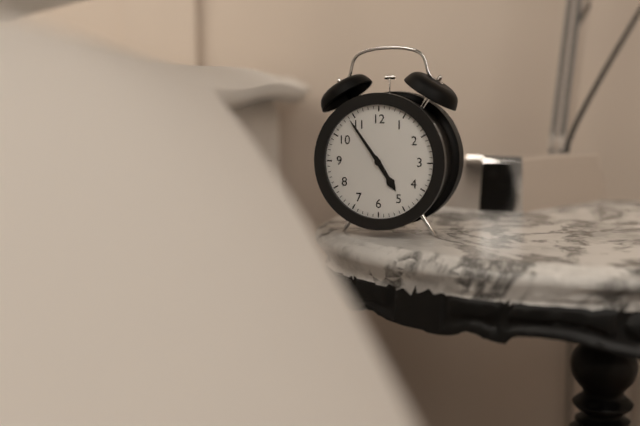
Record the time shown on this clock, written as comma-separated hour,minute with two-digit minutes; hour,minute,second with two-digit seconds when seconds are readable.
4,54
